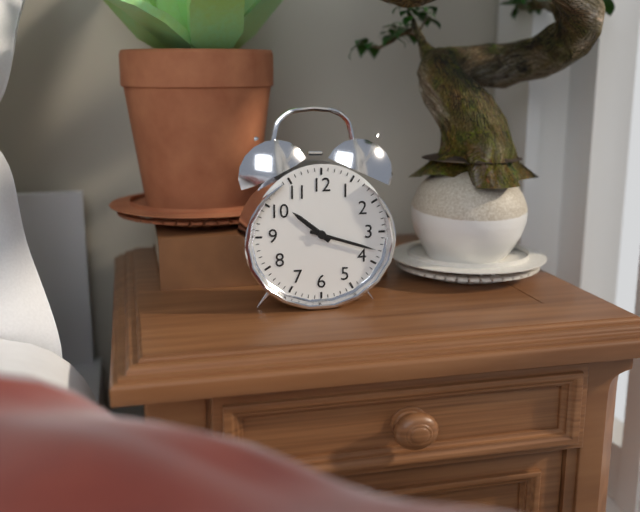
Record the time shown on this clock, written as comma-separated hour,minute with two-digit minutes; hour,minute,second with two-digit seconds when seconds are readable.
10,18
